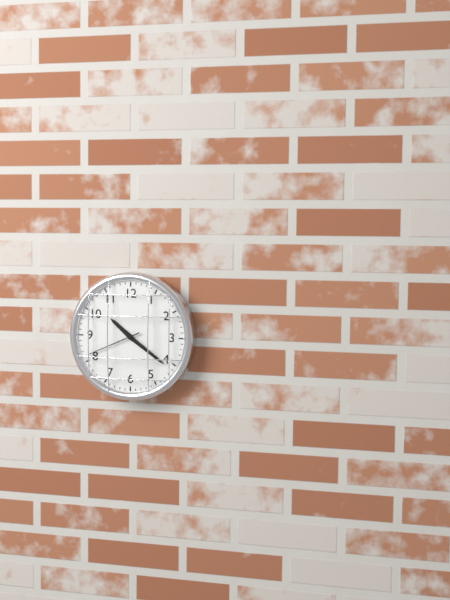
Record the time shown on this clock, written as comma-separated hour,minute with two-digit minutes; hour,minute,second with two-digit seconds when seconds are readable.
10,21,41
